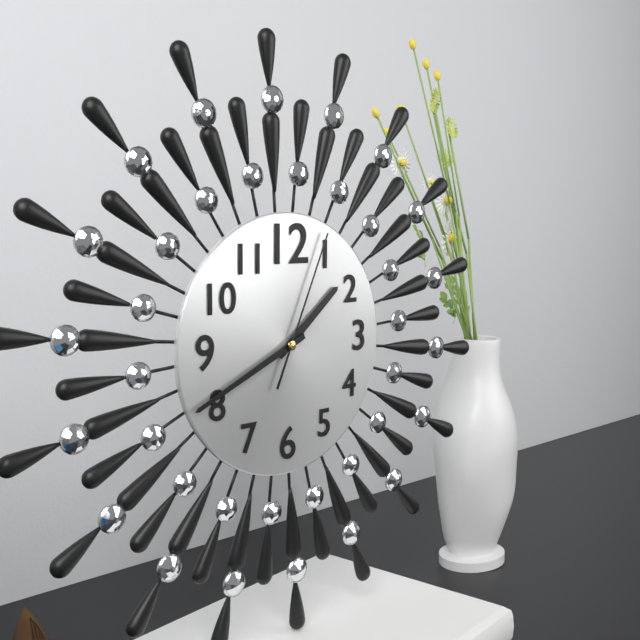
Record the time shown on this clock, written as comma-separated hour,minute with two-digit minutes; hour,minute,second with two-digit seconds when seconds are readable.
1,41,04
